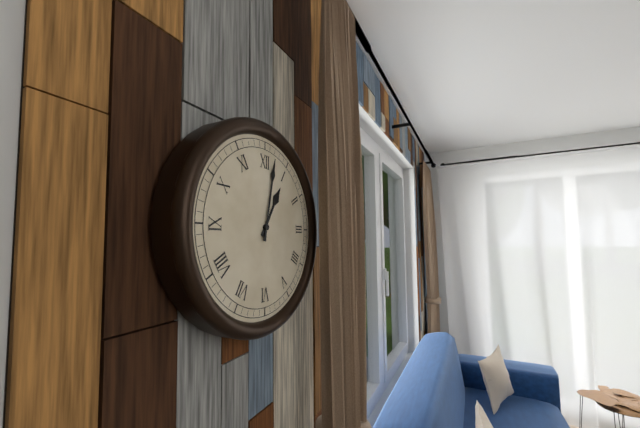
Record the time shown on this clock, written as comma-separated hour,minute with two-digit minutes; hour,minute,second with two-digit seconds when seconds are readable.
1,02
